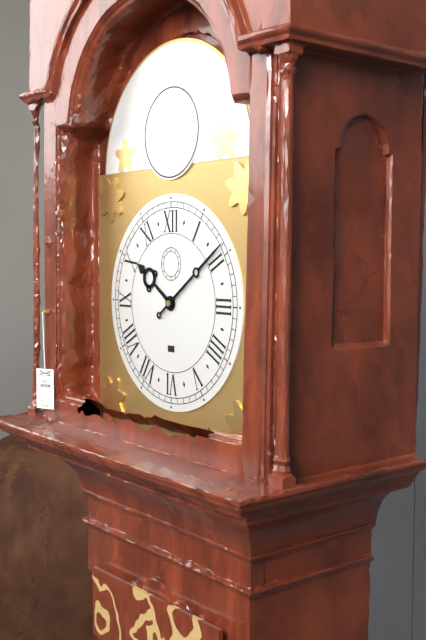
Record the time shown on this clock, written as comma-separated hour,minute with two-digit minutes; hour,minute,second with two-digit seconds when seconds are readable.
10,09
